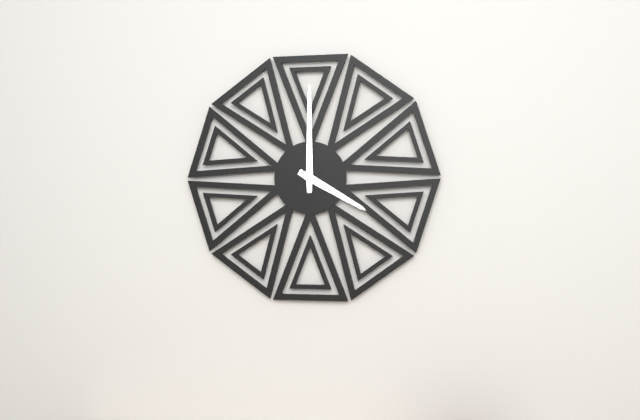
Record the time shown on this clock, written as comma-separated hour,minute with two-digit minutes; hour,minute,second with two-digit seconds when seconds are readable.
4,00
